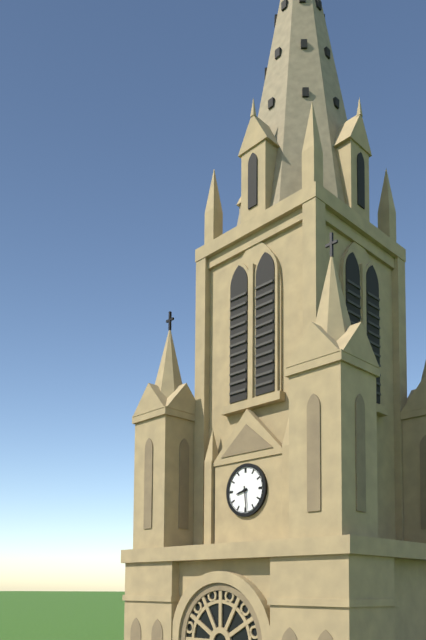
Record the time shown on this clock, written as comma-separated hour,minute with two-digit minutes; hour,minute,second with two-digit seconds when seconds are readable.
8,29
